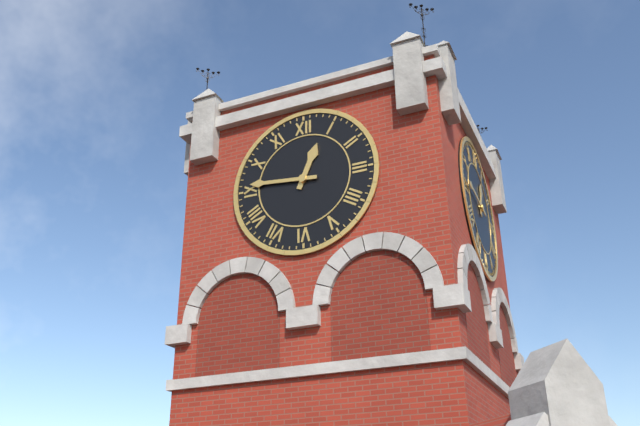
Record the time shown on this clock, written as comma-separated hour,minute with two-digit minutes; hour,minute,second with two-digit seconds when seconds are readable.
12,46
